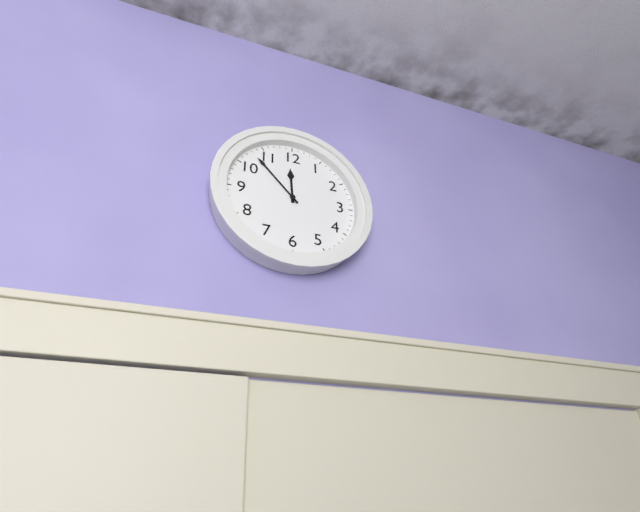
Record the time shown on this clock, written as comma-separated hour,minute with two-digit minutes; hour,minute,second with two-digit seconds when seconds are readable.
11,53
